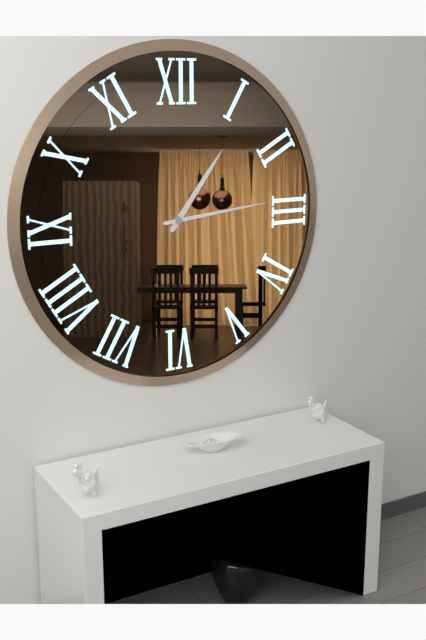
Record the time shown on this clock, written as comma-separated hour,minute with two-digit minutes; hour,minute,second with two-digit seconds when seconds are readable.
1,14
